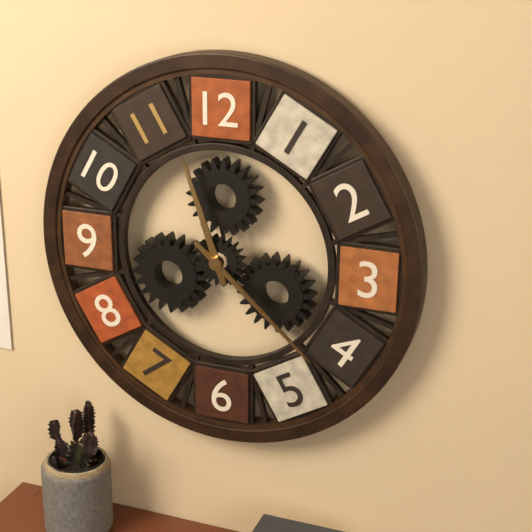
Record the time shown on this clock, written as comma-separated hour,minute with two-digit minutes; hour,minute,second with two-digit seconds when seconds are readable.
11,22
